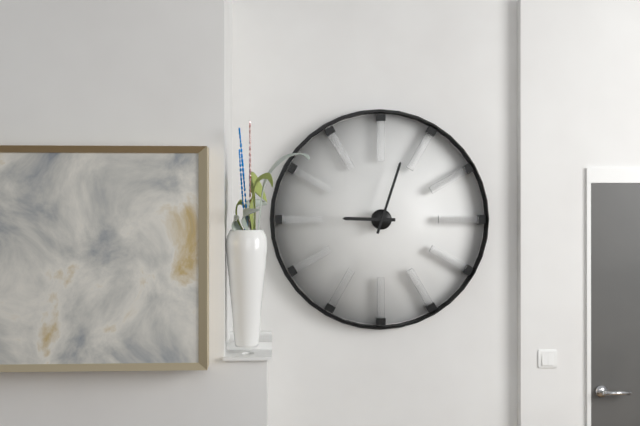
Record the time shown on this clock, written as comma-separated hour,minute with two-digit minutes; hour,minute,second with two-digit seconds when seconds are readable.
9,03
